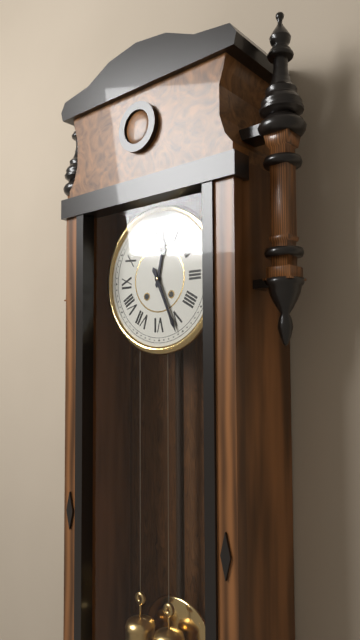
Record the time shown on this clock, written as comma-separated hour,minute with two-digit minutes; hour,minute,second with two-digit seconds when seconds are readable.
12,26
